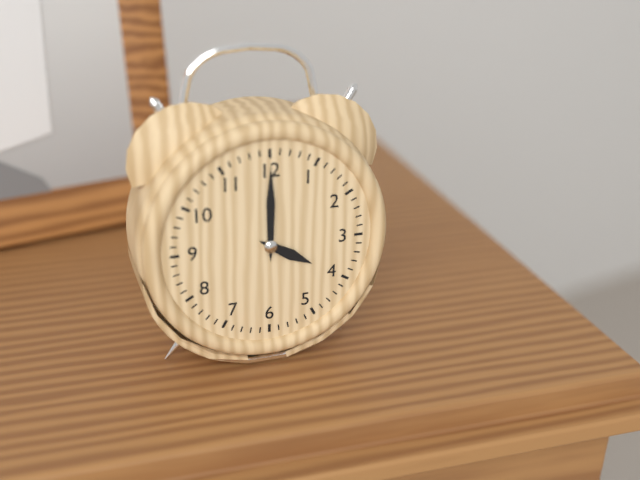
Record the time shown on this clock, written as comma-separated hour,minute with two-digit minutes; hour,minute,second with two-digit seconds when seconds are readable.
4,00
